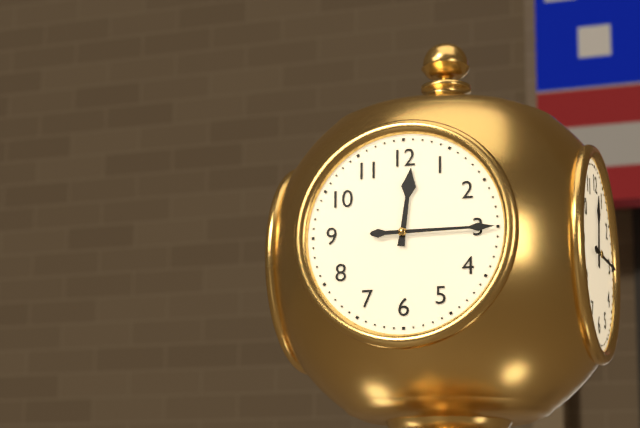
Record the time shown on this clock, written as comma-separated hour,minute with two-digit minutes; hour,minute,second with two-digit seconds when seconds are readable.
12,15
